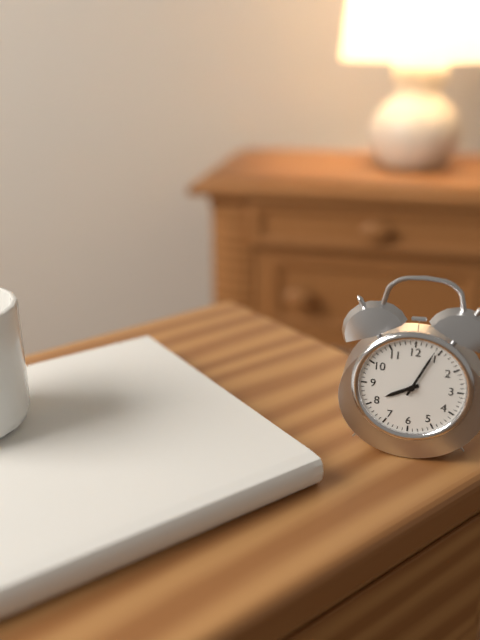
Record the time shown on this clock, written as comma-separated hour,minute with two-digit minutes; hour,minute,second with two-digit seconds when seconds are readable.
8,04
